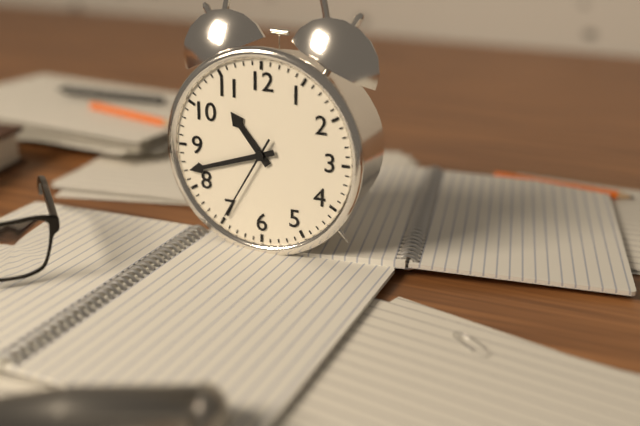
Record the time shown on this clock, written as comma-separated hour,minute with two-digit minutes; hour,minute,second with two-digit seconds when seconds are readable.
10,42,35
